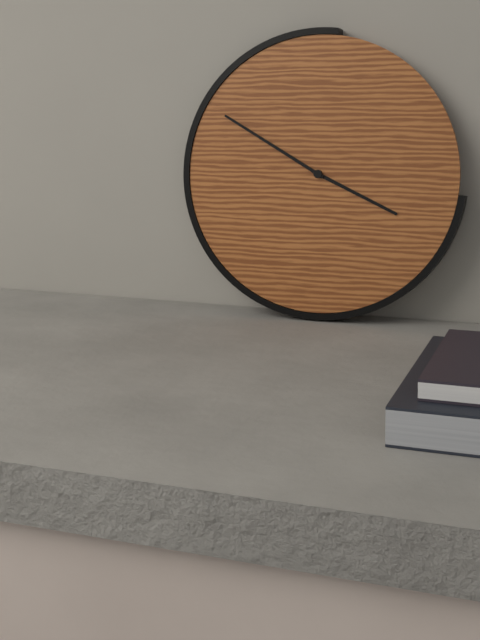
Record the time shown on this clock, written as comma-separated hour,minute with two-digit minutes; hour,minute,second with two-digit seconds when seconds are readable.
3,50
